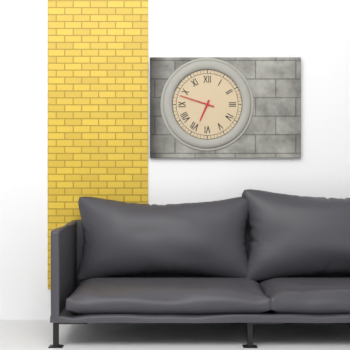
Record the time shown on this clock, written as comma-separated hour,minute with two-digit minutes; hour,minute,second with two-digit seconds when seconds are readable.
6,48
